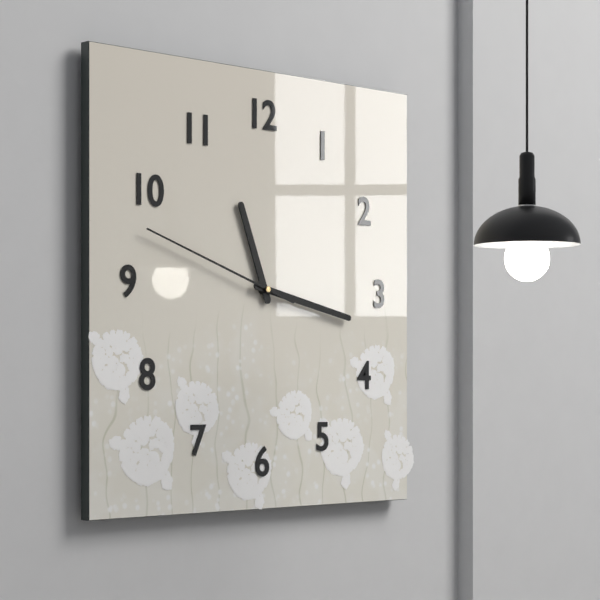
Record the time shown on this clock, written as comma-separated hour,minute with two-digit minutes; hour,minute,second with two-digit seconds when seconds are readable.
11,17,48
